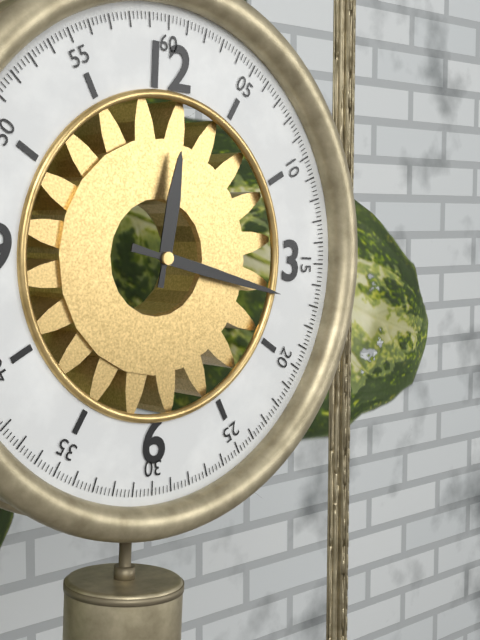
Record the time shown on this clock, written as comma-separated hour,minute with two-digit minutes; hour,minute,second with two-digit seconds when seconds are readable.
12,17
